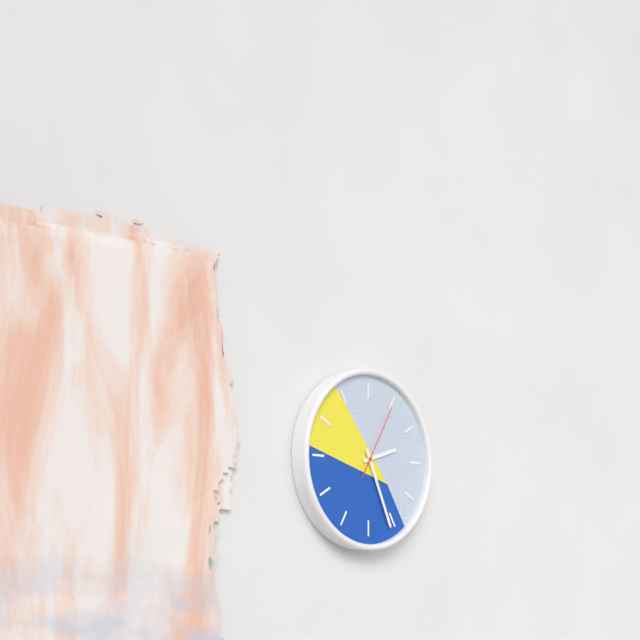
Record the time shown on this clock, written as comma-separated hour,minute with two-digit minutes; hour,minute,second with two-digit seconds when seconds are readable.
2,26,05
